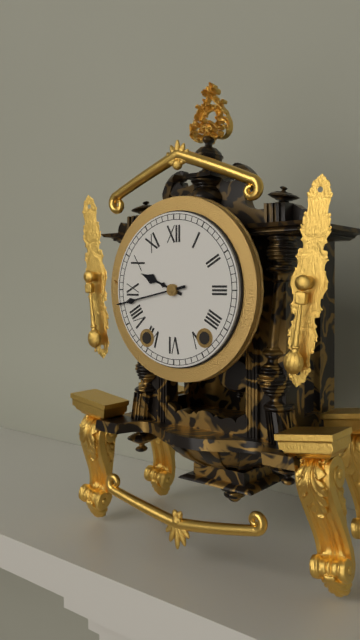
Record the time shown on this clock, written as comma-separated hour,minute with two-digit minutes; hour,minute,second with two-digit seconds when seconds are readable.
9,43
